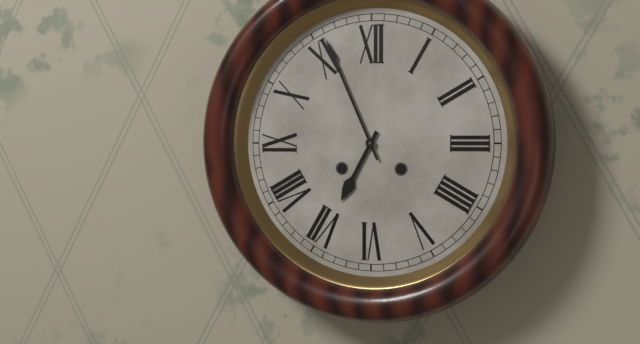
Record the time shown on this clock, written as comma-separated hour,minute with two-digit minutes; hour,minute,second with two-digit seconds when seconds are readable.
6,56
